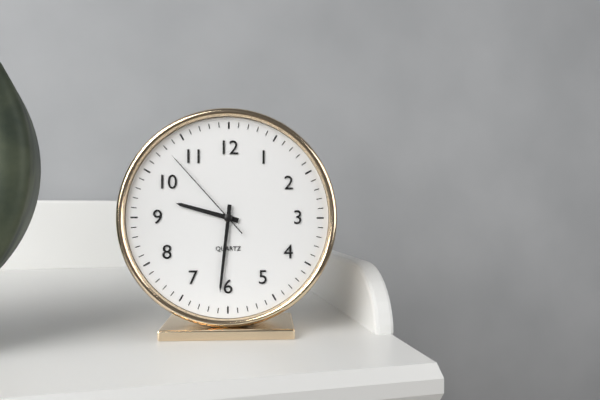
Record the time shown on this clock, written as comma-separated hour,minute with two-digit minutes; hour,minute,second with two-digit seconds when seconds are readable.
9,31,53
